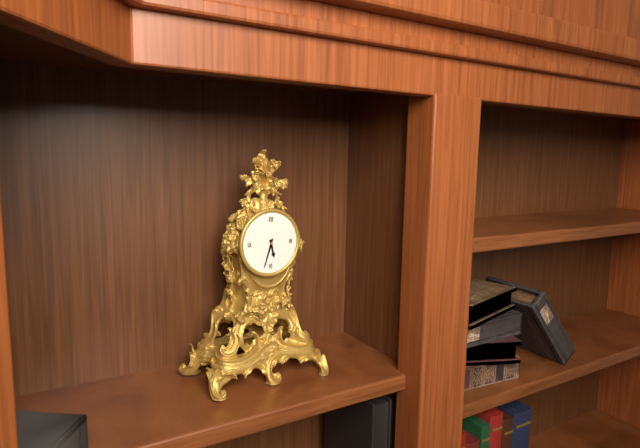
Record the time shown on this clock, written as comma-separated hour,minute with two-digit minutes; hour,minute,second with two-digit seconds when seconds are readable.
5,33
